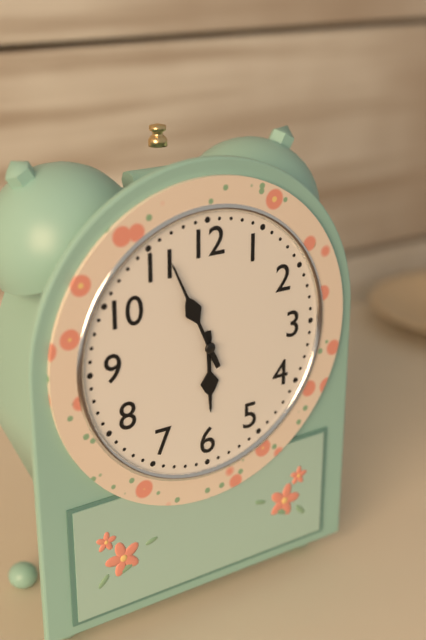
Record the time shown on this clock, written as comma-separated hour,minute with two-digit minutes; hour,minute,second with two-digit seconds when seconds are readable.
5,56
